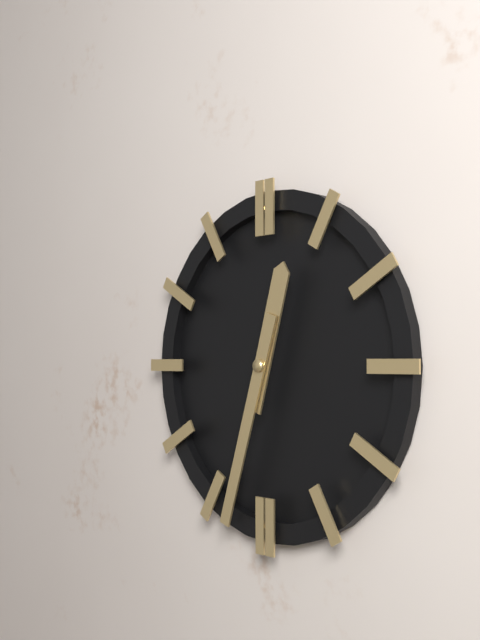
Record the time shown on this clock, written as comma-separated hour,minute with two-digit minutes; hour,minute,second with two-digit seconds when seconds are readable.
12,33
